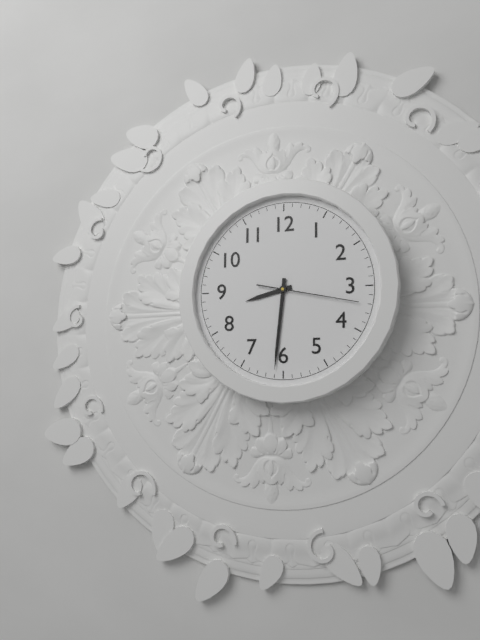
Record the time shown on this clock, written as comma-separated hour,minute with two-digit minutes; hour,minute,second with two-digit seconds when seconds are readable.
8,31,17
